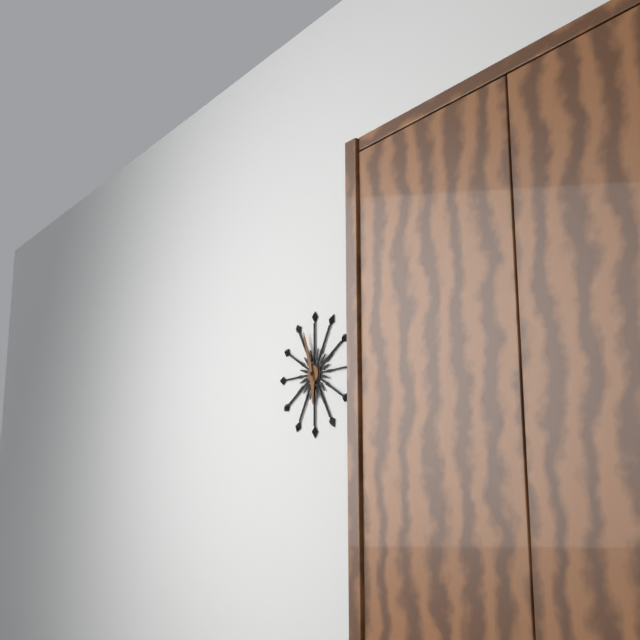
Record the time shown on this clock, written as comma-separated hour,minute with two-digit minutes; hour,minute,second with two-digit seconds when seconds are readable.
5,57
